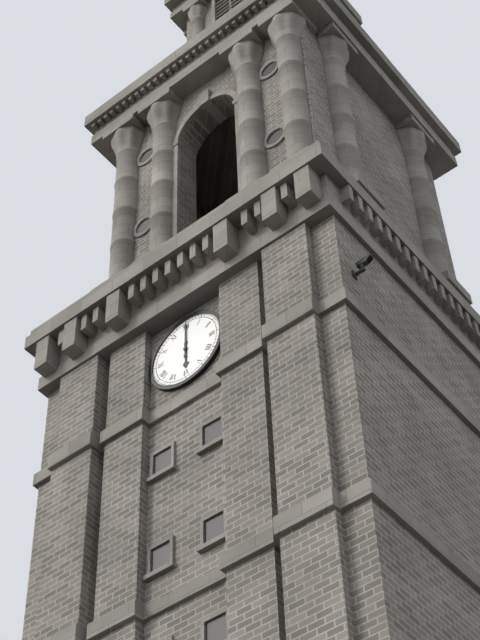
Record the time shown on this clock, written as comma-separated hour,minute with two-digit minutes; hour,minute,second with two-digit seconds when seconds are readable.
6,00
